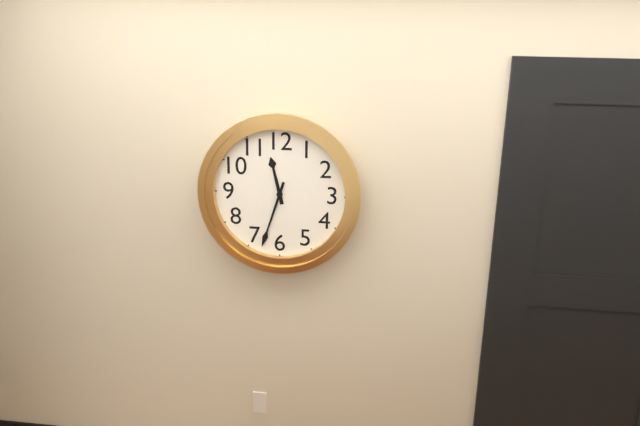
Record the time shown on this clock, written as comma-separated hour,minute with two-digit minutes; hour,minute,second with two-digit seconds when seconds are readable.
11,33
